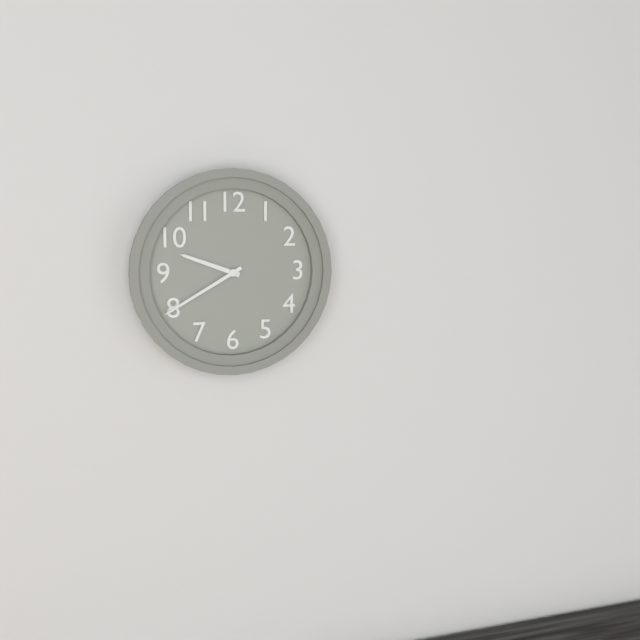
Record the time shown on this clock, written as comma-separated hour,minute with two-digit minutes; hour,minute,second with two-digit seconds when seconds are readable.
9,40
